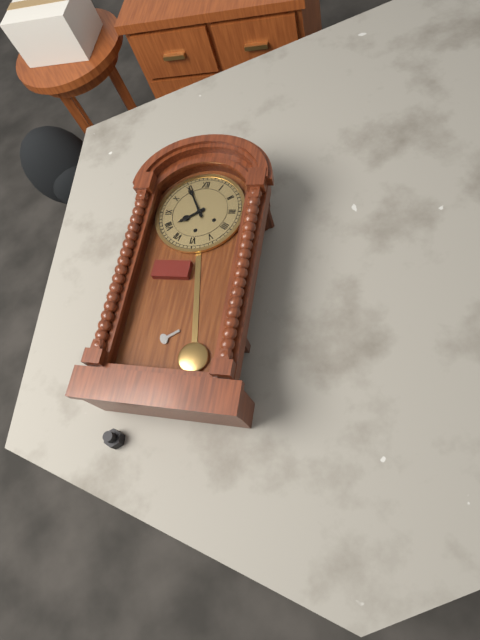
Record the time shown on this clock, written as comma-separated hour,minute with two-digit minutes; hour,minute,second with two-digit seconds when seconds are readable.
7,55
